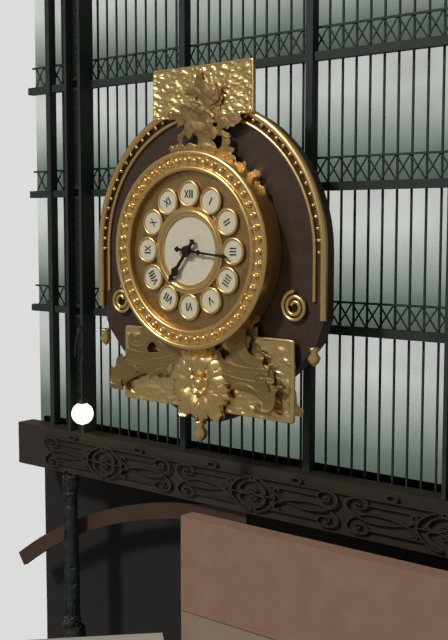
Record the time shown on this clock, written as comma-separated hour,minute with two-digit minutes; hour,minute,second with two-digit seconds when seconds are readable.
7,16
